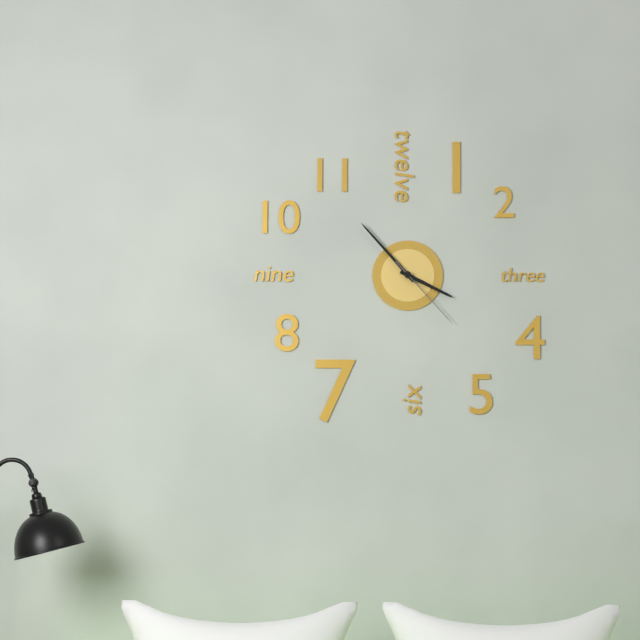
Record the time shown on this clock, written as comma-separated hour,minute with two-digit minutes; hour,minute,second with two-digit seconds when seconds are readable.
3,53,23
